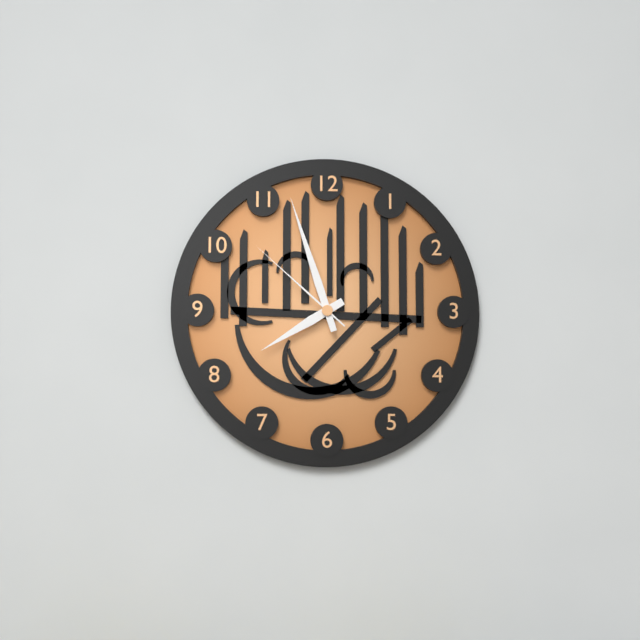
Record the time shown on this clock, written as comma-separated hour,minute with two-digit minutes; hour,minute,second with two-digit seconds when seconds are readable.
7,57,52
